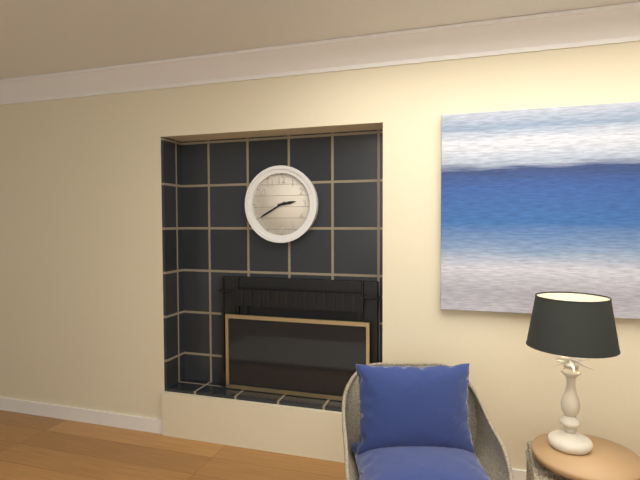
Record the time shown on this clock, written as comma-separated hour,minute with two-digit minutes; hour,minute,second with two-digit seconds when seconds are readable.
2,40
